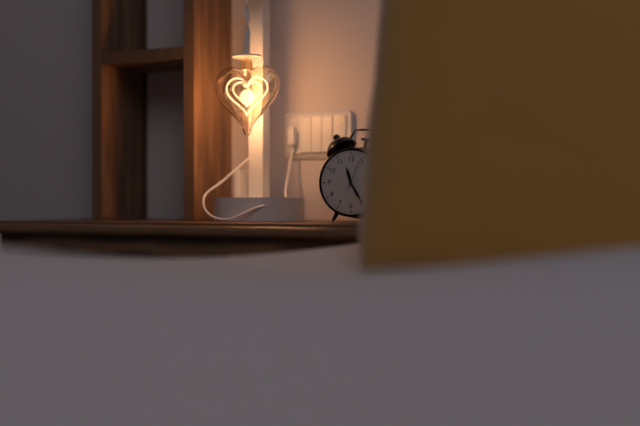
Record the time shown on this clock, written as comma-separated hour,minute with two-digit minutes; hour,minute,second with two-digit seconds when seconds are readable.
11,25
